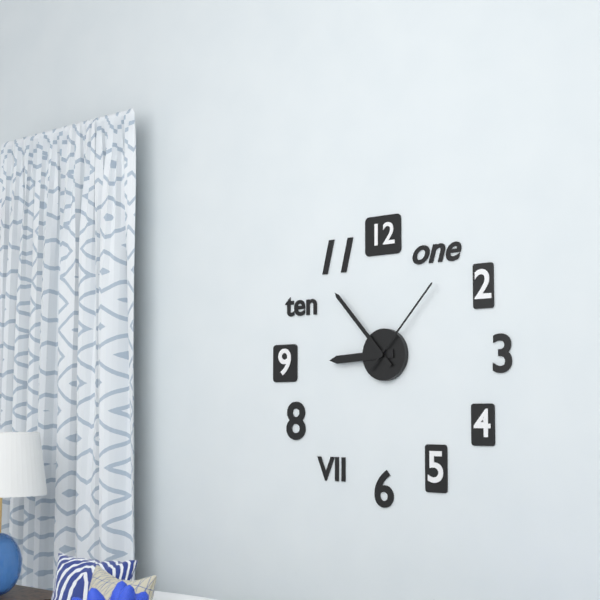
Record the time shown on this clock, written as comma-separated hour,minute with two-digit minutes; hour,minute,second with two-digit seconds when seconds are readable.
8,53,07
